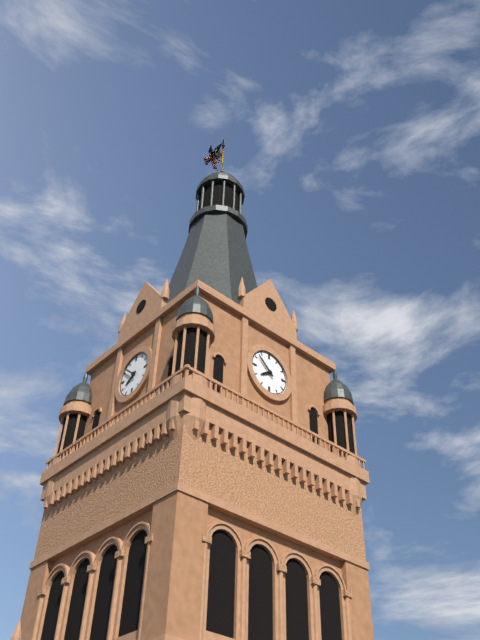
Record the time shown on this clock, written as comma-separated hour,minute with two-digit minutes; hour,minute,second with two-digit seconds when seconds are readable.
7,52
